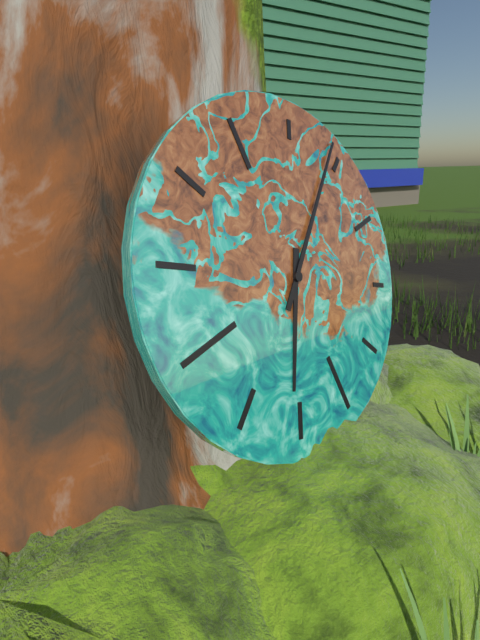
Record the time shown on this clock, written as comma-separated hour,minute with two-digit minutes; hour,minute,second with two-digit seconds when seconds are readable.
7,09
